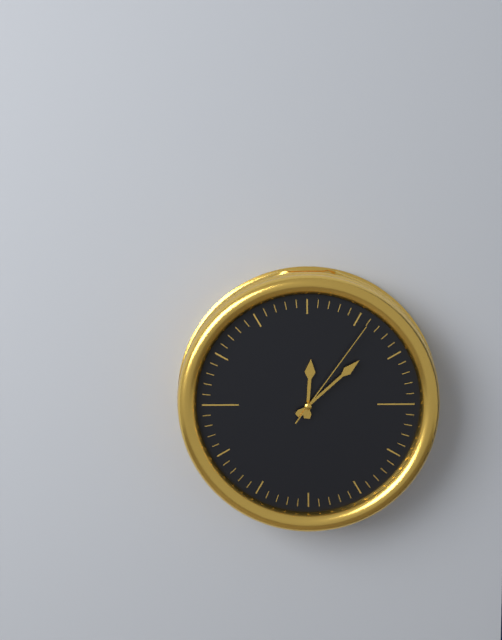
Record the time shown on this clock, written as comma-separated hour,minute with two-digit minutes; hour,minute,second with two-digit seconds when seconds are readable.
12,08,06
